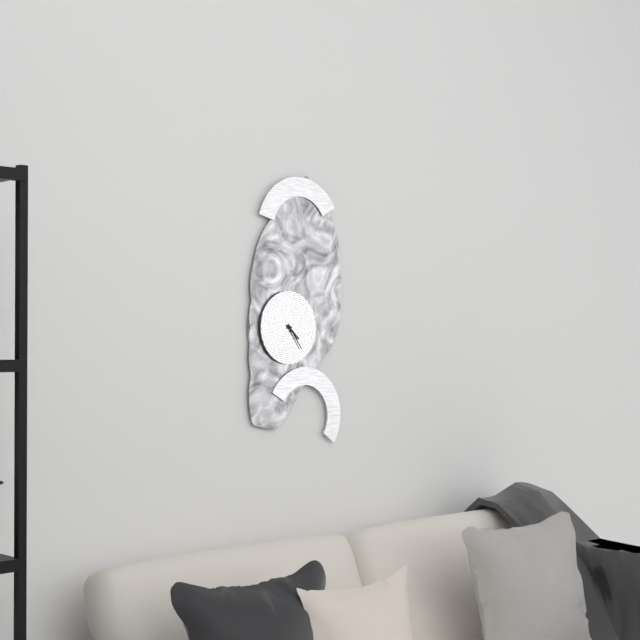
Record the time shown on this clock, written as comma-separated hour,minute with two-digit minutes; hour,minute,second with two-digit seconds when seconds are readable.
4,24
